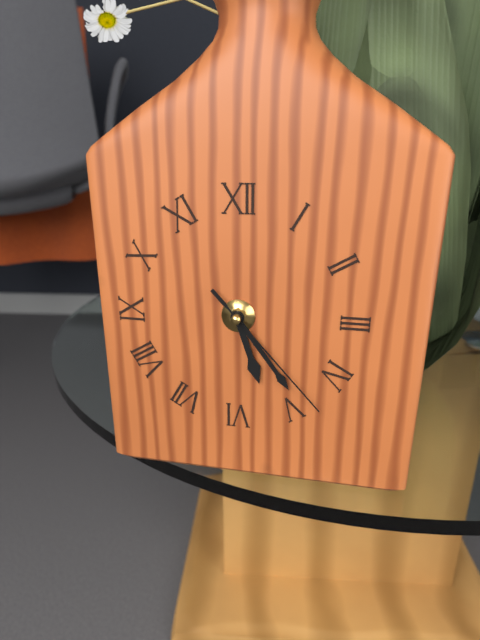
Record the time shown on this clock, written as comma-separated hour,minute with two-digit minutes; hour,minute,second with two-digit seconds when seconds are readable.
5,24,23
